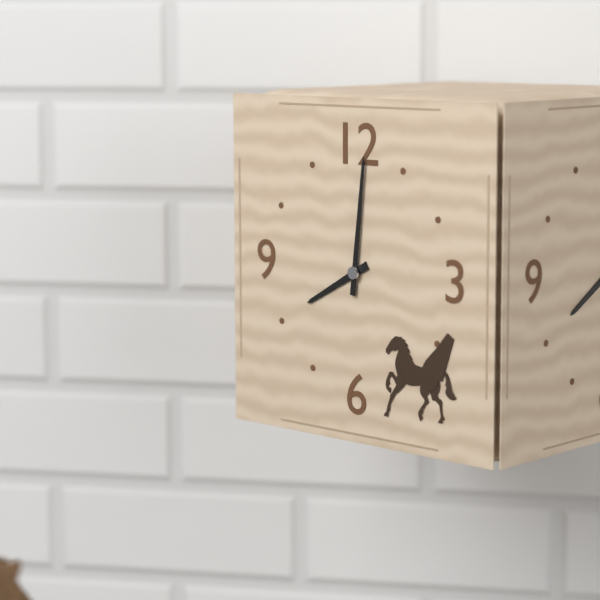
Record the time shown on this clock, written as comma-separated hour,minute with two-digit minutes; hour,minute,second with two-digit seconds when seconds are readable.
8,01
